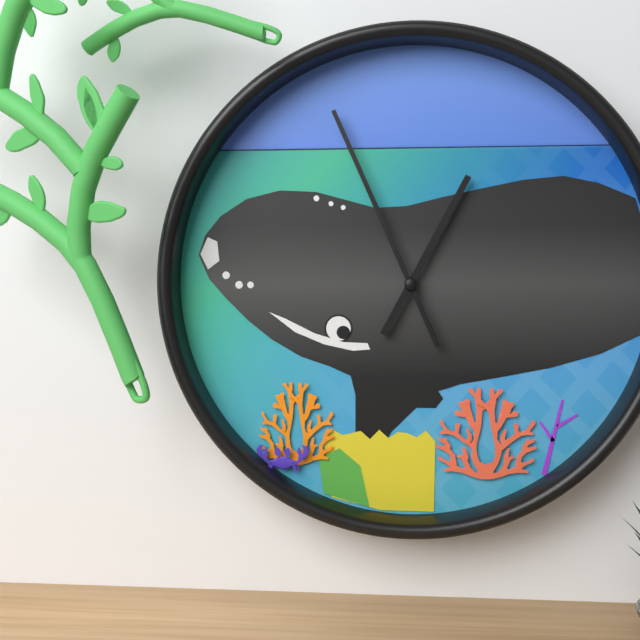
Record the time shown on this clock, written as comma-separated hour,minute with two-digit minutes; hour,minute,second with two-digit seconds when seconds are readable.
12,56
